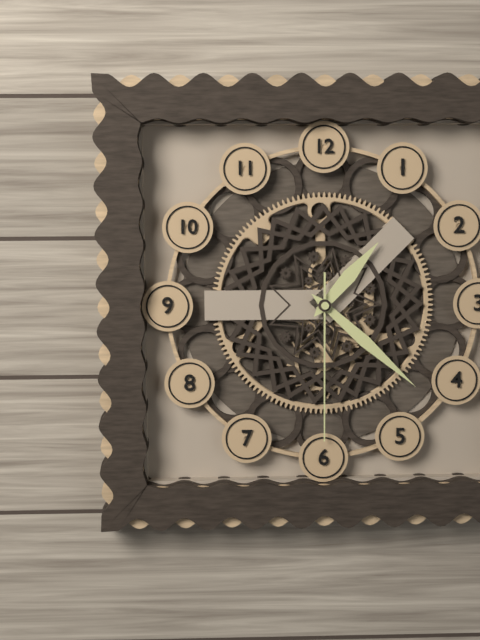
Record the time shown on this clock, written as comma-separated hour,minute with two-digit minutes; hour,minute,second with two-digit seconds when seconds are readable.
1,22,30
